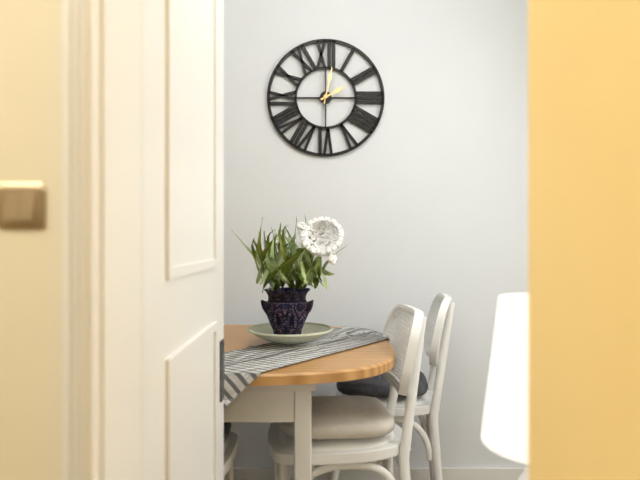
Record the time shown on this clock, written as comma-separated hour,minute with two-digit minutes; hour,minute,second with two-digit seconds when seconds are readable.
2,02
